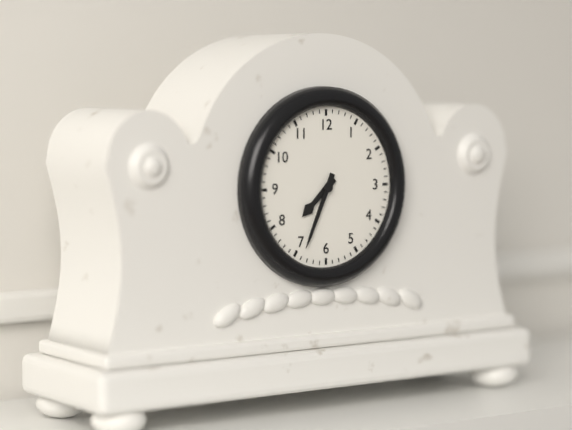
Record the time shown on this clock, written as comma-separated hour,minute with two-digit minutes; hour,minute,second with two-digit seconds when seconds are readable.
7,34
